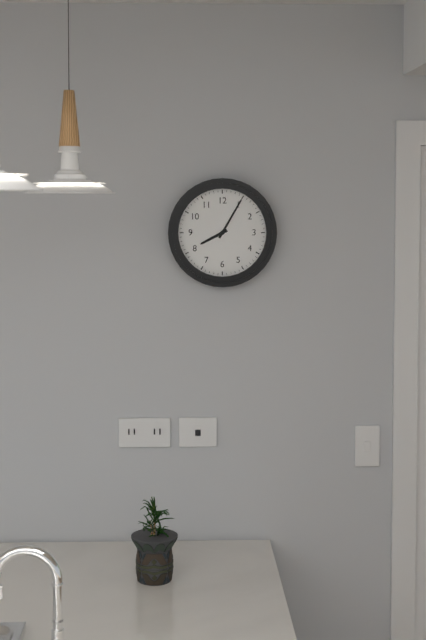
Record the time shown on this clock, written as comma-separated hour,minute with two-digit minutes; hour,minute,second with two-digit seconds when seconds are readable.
8,05
